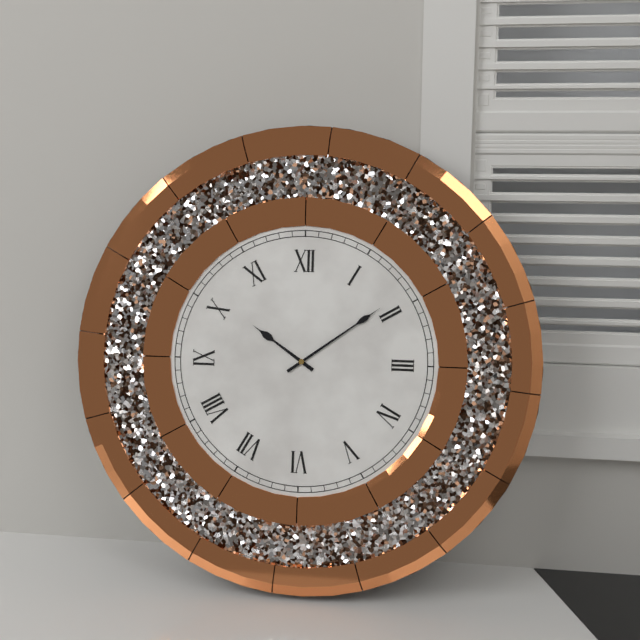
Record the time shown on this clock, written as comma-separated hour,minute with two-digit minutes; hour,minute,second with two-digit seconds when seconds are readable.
10,09
